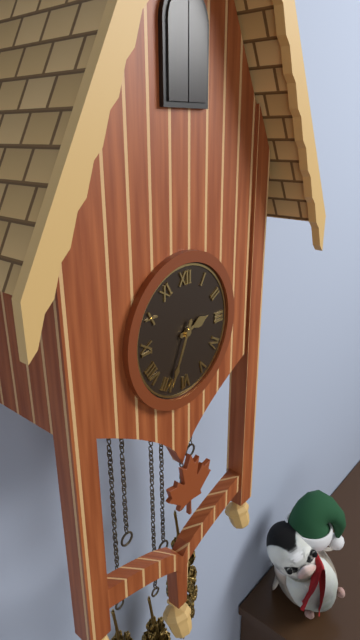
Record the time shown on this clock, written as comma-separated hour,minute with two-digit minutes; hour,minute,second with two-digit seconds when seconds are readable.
2,34
